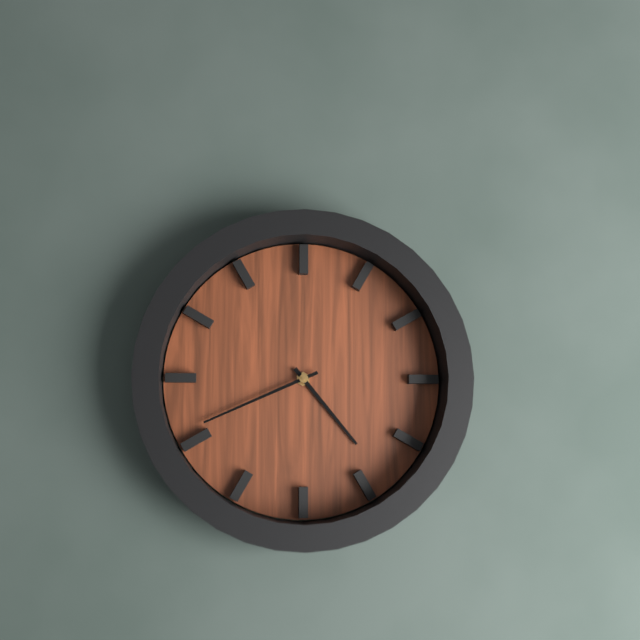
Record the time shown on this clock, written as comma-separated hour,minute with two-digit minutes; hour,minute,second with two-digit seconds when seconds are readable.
4,41
